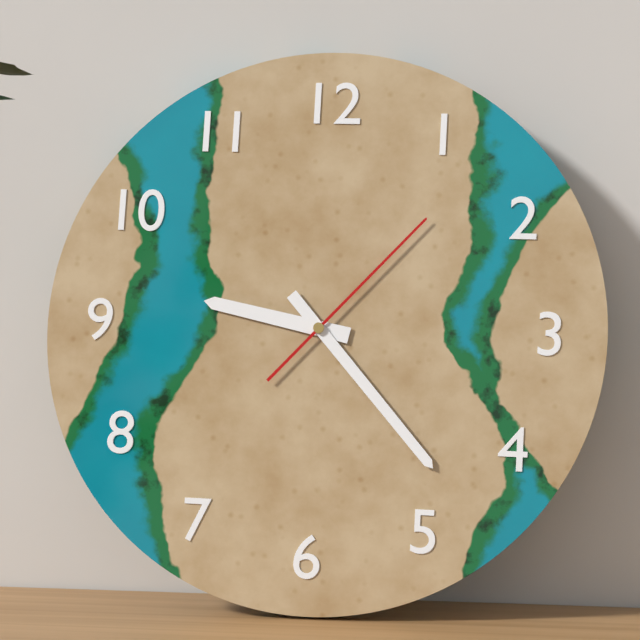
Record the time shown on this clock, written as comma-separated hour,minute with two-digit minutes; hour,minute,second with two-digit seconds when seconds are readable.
9,23,07
